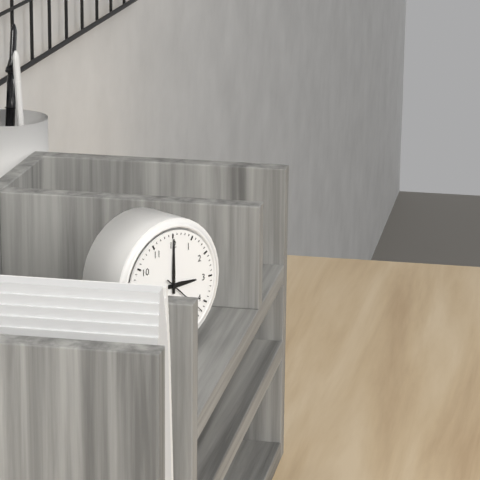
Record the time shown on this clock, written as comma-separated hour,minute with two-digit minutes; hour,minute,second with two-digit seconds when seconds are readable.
3,00
